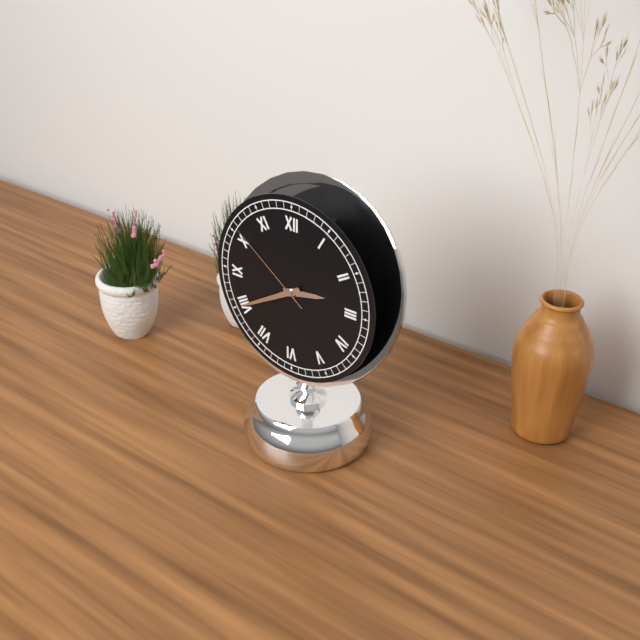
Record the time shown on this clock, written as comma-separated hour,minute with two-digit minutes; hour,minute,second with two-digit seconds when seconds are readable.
2,40,51
